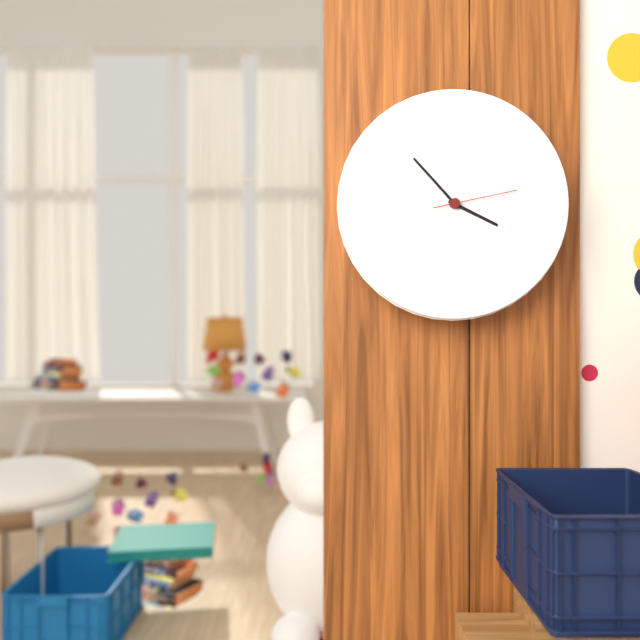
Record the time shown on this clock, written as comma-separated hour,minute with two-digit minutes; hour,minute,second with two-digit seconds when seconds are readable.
3,53,13
